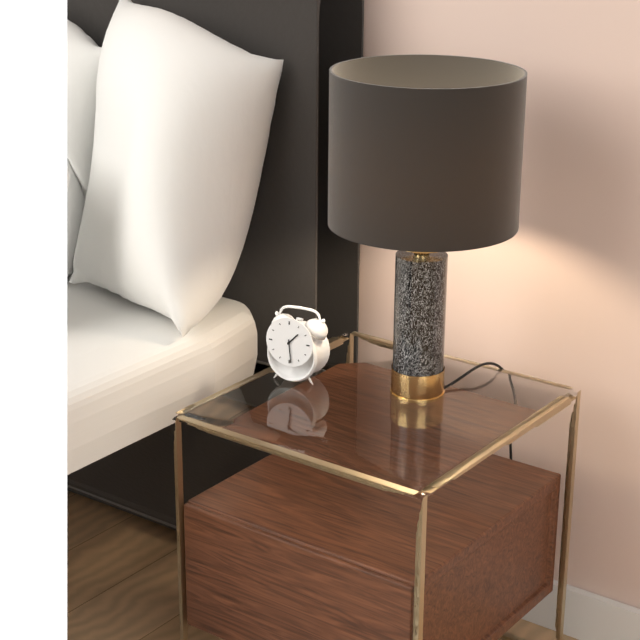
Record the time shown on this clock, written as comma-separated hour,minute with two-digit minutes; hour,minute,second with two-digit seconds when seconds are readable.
1,29
